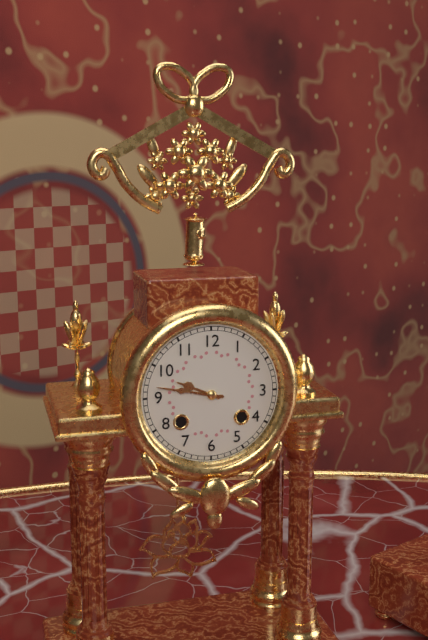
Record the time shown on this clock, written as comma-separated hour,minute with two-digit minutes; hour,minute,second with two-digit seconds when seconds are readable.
9,47
